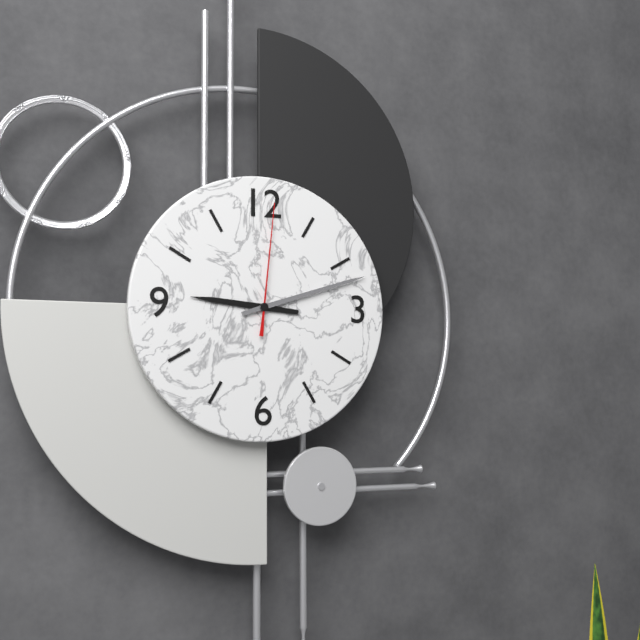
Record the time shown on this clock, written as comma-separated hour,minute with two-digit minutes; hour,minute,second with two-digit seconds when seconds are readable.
9,12,01
